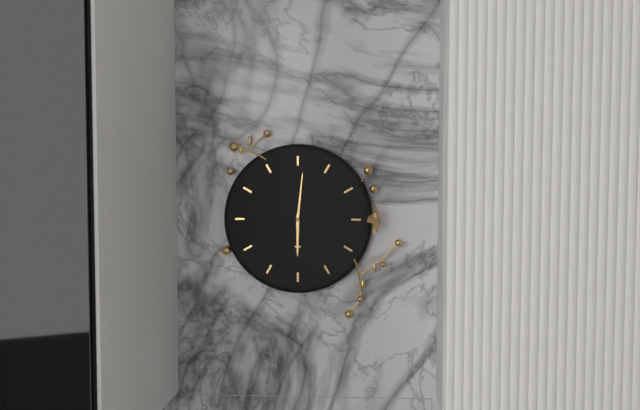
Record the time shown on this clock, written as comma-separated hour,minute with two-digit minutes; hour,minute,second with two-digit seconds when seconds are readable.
6,01
